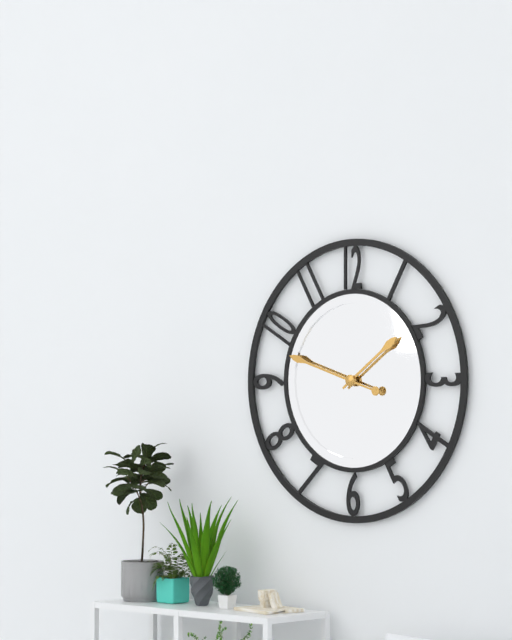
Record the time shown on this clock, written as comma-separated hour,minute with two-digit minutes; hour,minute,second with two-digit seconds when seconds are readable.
1,48
